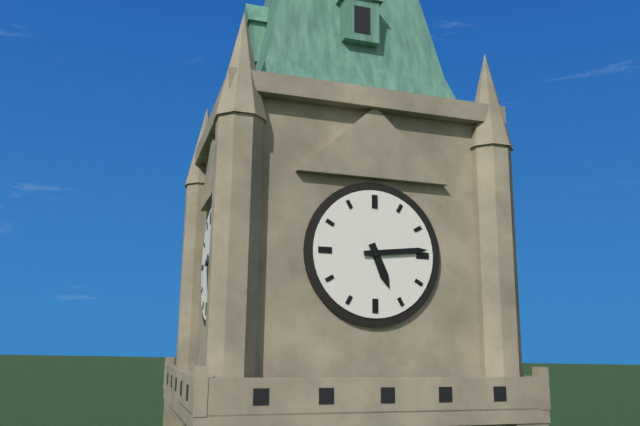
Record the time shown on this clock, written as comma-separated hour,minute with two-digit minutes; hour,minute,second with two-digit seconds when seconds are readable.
5,14
